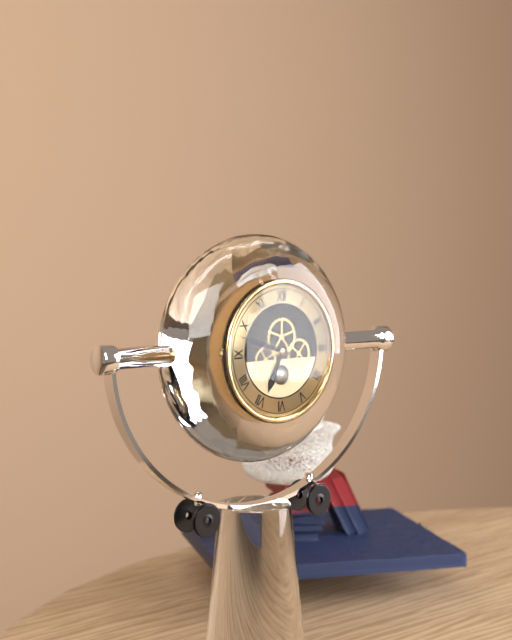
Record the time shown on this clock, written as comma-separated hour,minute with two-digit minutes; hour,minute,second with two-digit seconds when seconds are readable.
6,48
